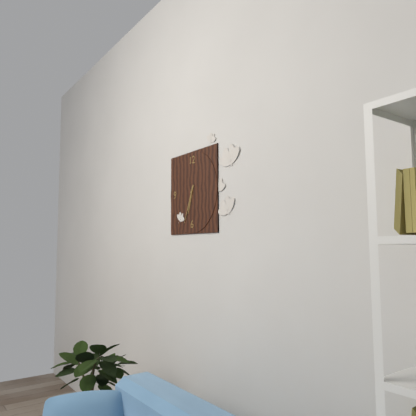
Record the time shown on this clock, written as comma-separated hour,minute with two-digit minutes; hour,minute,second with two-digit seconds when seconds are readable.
6,34
